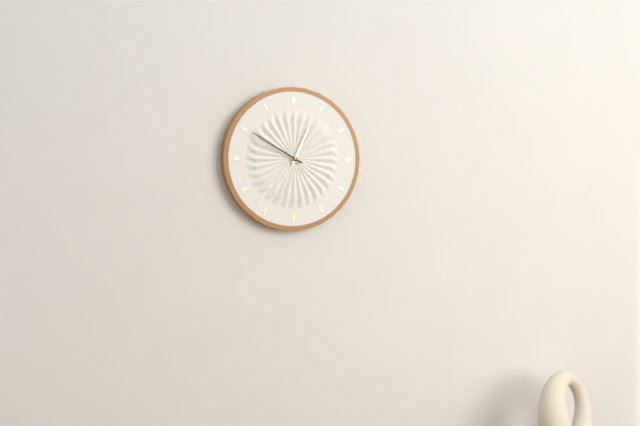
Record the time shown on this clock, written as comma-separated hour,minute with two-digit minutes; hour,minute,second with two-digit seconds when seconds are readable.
12,50
